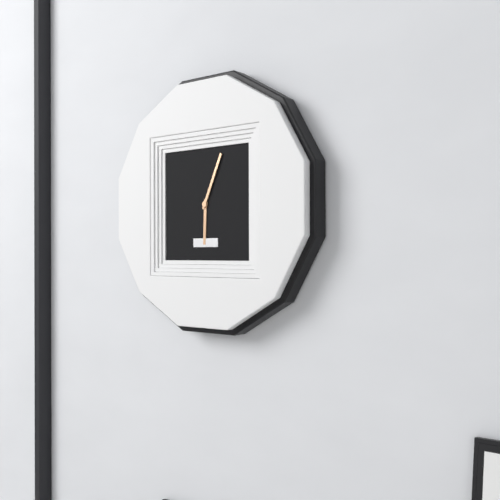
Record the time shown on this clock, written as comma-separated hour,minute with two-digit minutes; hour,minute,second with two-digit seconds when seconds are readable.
6,04
